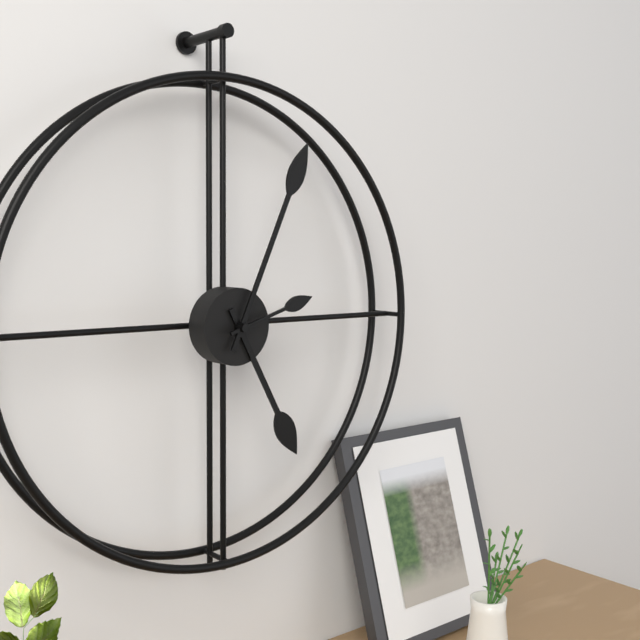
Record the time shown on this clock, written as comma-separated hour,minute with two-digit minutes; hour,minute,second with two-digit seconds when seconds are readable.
5,04,12
